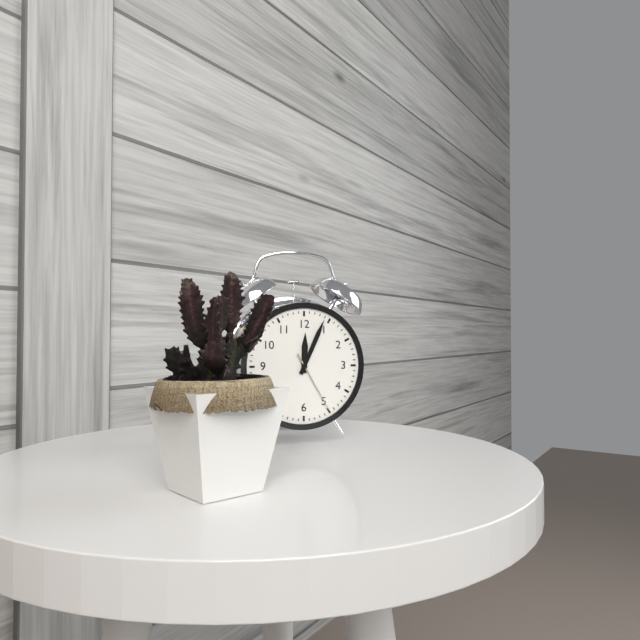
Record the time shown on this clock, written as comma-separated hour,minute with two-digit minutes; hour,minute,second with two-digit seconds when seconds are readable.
12,04,25
